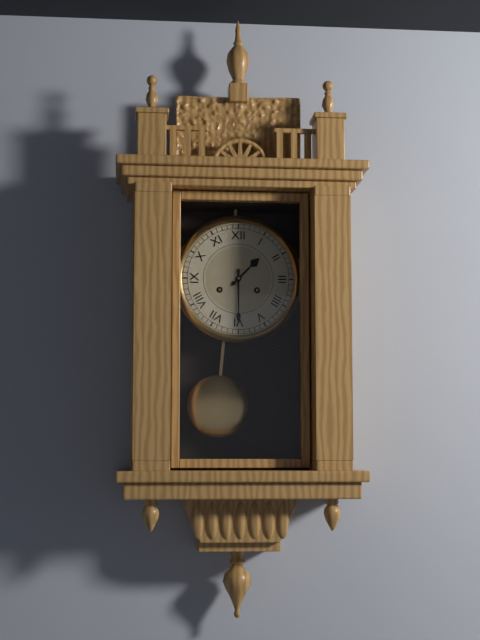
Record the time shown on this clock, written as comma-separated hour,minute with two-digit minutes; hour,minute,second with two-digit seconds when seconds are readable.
1,30
